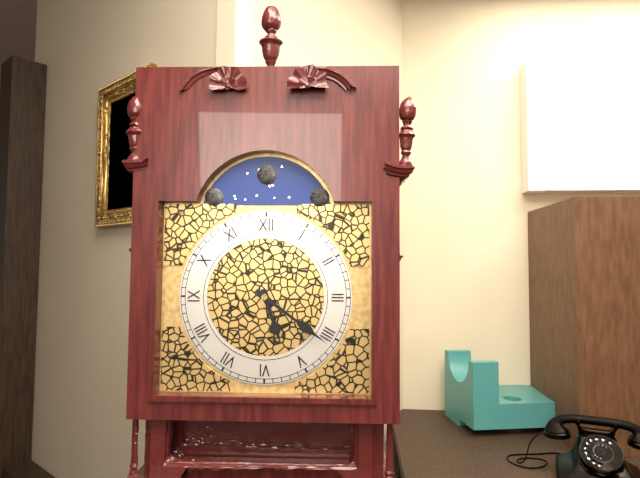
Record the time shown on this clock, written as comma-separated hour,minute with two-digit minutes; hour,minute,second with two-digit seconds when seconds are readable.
5,21
